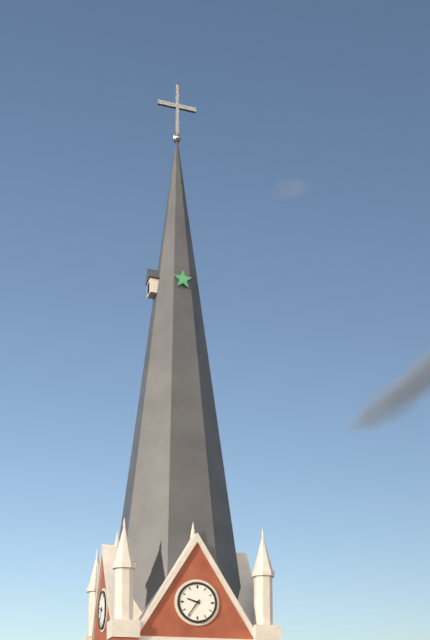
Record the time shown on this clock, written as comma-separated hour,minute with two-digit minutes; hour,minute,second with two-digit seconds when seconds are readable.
9,36
